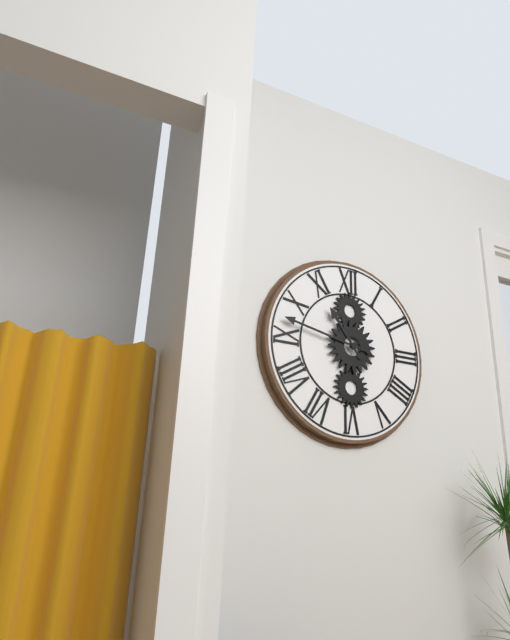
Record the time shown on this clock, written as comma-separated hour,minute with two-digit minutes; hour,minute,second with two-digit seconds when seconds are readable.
10,47
